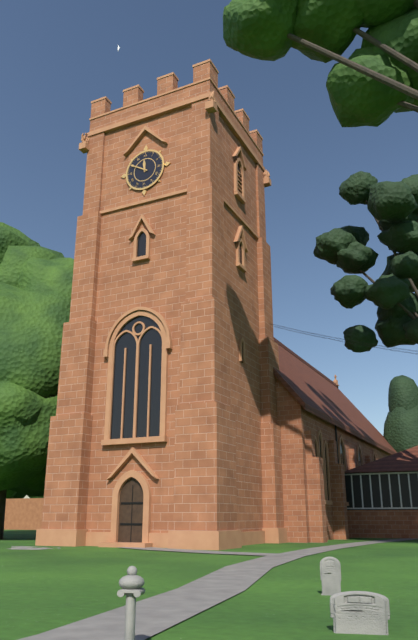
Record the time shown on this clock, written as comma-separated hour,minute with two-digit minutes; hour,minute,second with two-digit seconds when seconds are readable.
11,50
